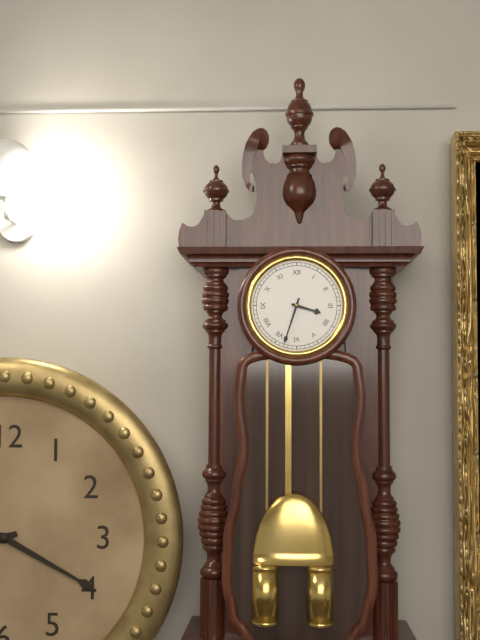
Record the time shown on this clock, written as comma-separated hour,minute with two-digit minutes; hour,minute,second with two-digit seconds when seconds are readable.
3,33
